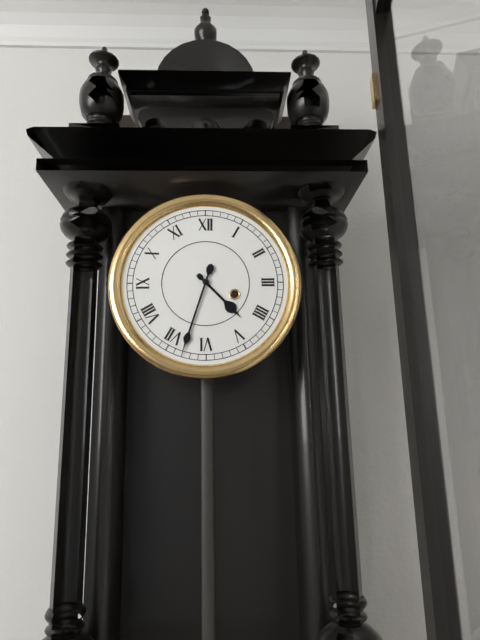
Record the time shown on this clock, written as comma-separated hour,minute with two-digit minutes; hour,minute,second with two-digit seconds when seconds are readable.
4,33
